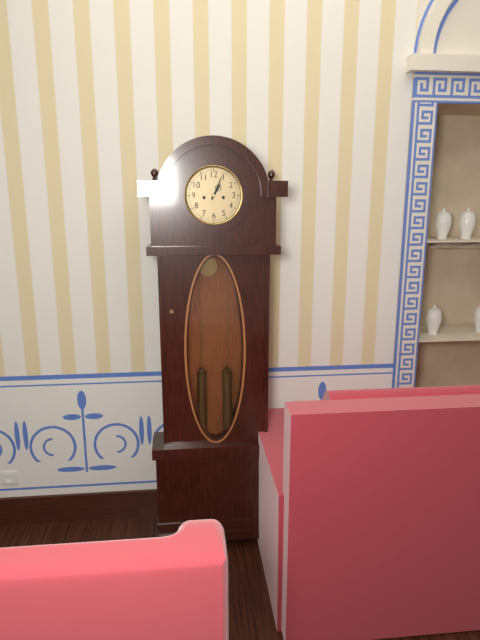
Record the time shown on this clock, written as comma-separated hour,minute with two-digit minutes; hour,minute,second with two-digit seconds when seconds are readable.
1,04
